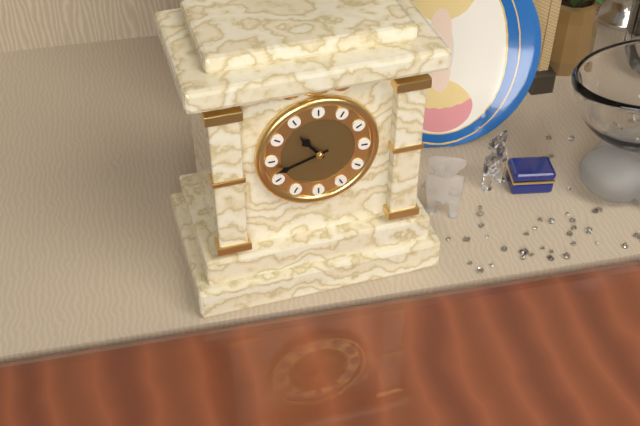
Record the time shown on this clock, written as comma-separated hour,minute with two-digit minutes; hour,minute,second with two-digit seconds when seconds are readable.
10,42
